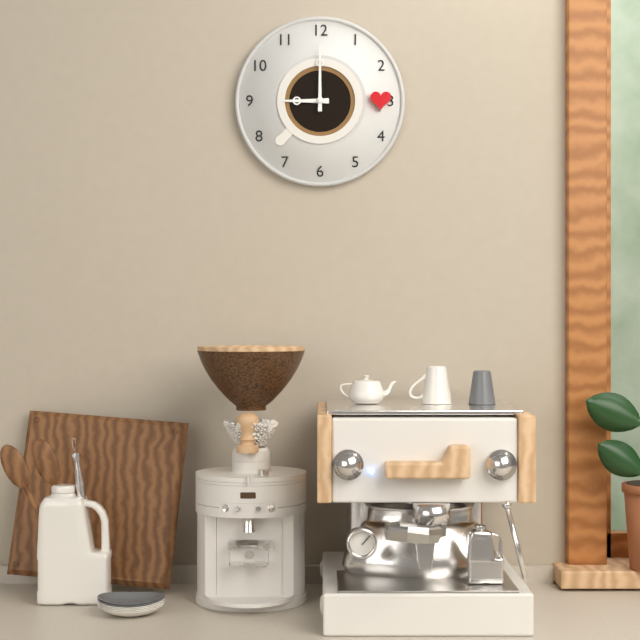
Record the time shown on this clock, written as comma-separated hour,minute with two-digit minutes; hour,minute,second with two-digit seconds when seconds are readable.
9,00
